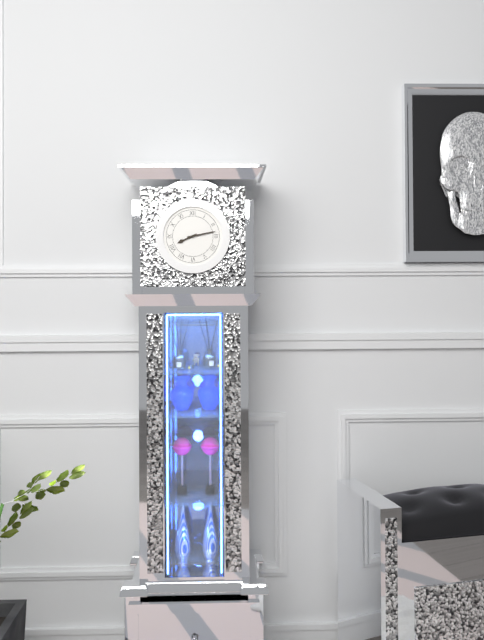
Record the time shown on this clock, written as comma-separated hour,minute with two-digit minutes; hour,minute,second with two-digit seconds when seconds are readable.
8,13
